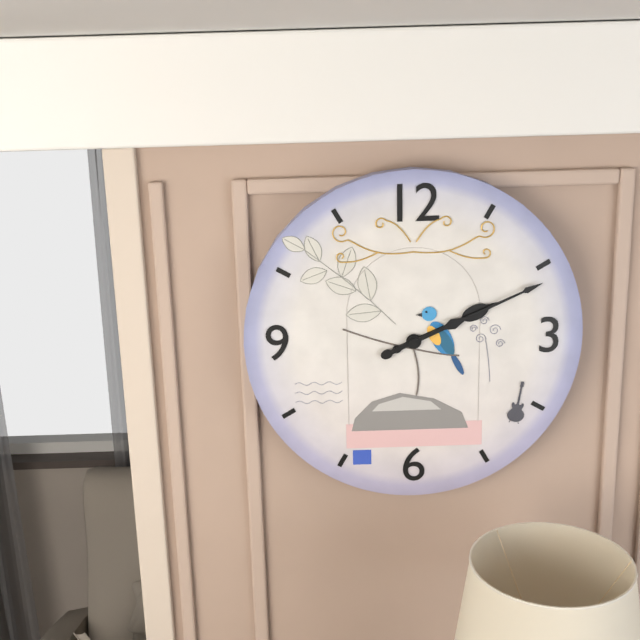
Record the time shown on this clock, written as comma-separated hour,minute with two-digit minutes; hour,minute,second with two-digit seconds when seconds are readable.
2,11
